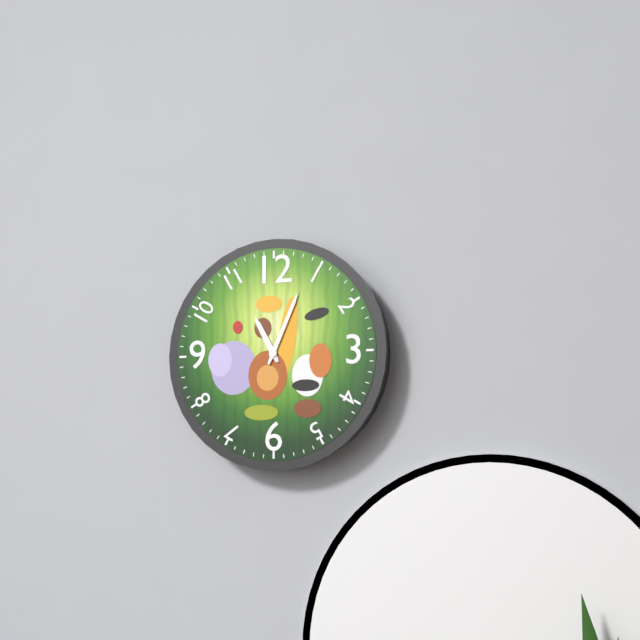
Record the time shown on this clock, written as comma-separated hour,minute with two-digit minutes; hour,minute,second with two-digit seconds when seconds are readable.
11,04
